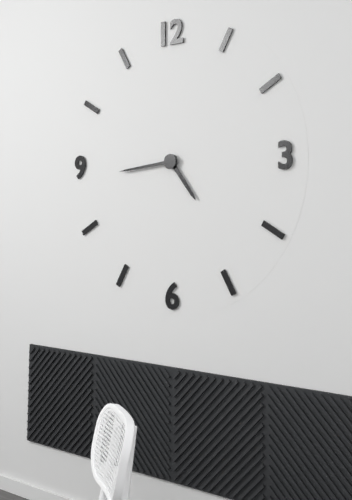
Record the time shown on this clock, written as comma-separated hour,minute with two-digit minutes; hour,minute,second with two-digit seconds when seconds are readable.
4,44
